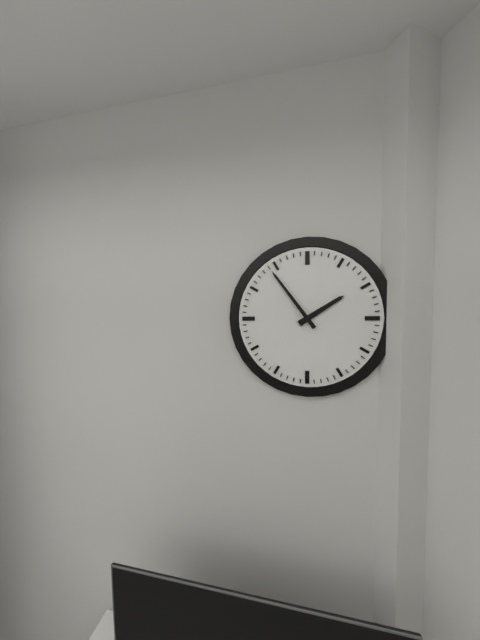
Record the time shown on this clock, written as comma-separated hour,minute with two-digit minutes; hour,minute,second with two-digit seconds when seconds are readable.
1,54
